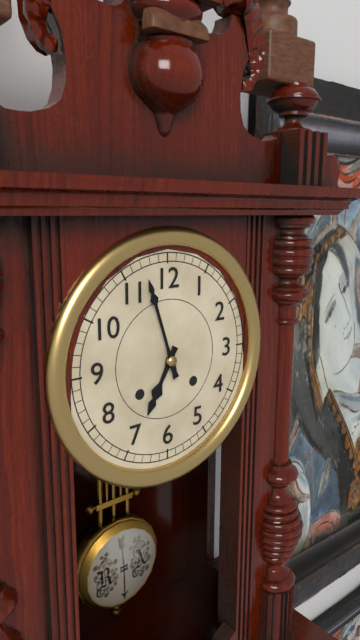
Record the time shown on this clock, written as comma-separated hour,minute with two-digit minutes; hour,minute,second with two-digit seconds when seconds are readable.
6,57
